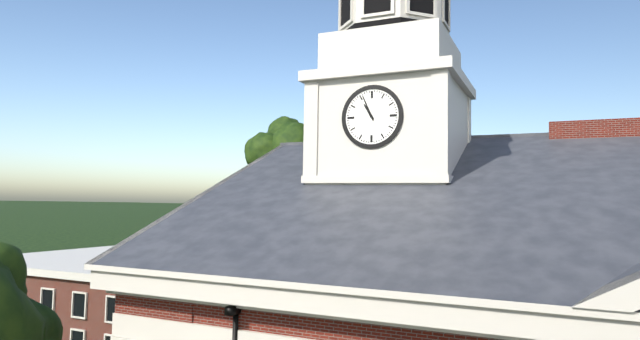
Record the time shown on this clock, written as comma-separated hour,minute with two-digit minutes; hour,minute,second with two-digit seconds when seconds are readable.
10,56
